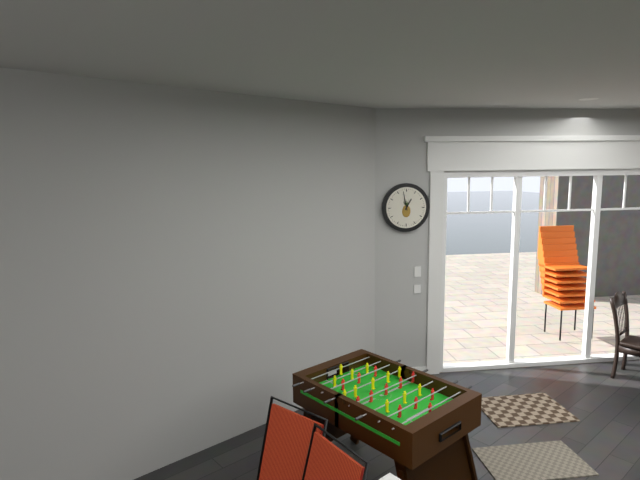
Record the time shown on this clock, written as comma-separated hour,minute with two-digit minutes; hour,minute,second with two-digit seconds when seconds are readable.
12,58
